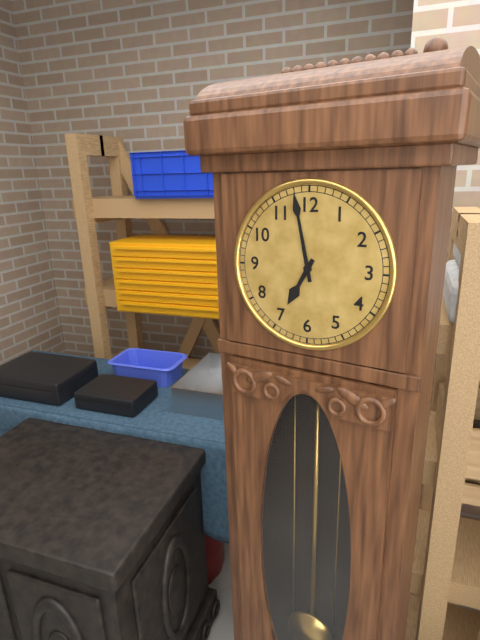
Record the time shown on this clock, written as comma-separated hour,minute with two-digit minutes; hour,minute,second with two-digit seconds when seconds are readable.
6,58
